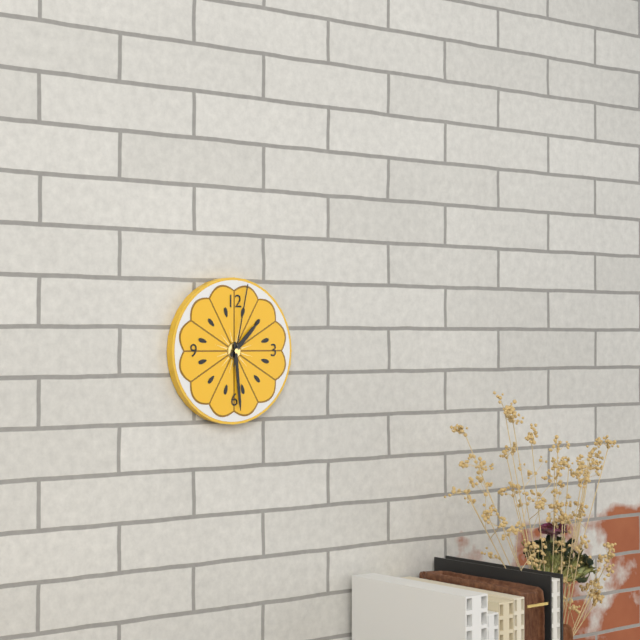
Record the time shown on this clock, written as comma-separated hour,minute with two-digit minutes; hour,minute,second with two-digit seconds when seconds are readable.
1,29,02
